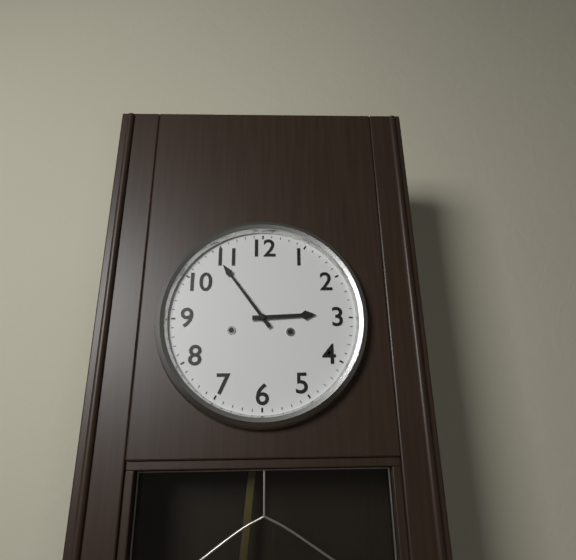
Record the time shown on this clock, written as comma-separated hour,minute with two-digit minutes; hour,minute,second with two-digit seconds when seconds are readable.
2,54
